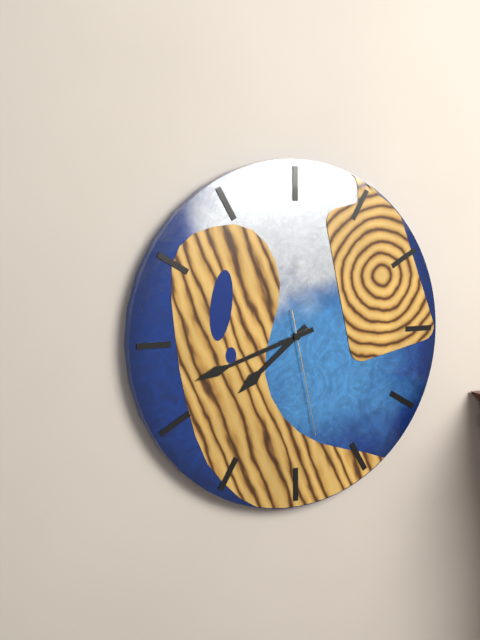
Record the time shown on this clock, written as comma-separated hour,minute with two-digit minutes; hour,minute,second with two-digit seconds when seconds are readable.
7,42,28
